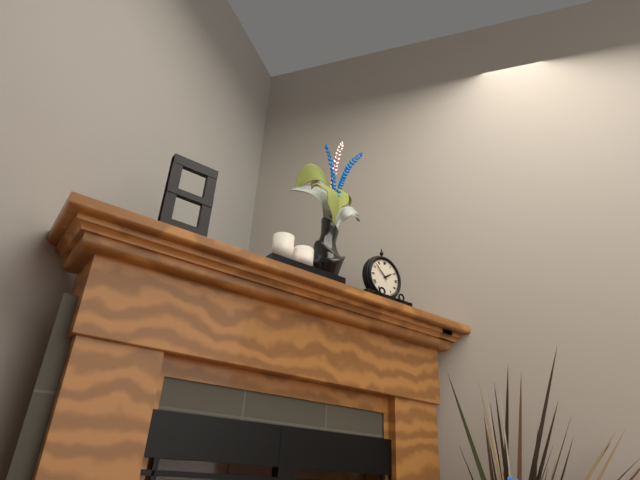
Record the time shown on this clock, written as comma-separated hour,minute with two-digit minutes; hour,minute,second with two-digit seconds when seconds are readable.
1,52
